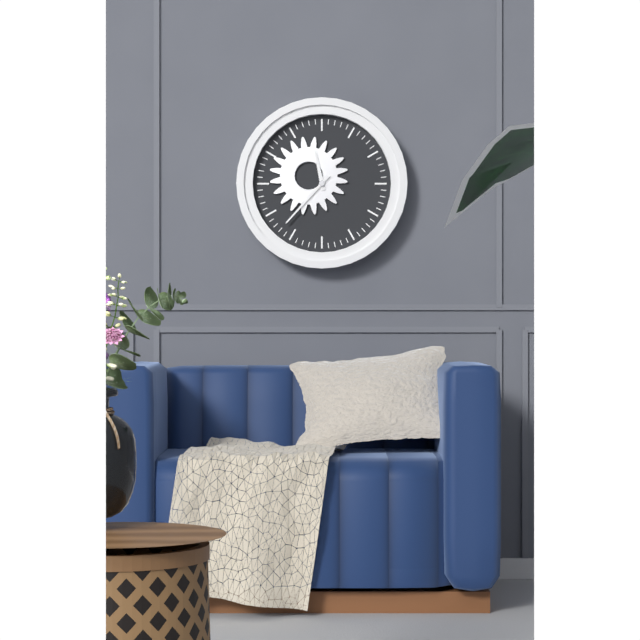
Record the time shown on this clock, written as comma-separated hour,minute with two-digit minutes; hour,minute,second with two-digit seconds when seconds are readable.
11,37
